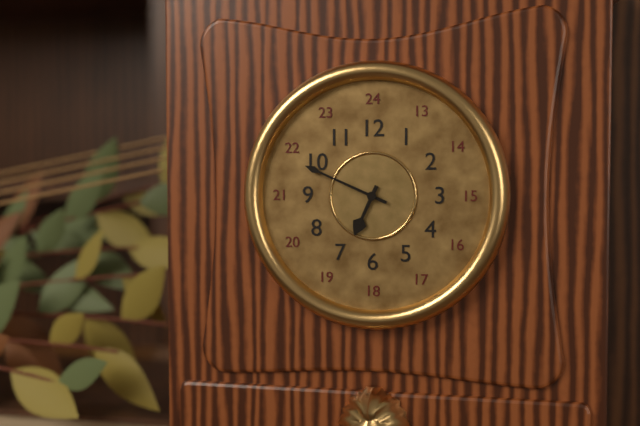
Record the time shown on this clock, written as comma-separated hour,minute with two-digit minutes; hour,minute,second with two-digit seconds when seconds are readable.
6,49
